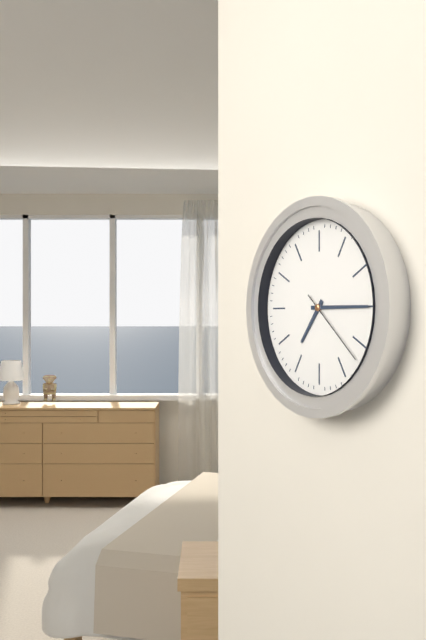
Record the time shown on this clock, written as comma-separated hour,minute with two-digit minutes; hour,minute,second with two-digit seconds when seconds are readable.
7,15,22
